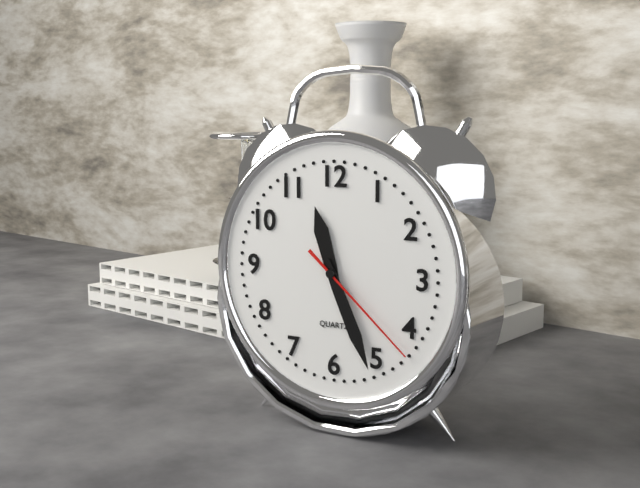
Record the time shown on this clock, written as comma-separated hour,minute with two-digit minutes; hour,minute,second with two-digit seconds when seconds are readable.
11,26,22
